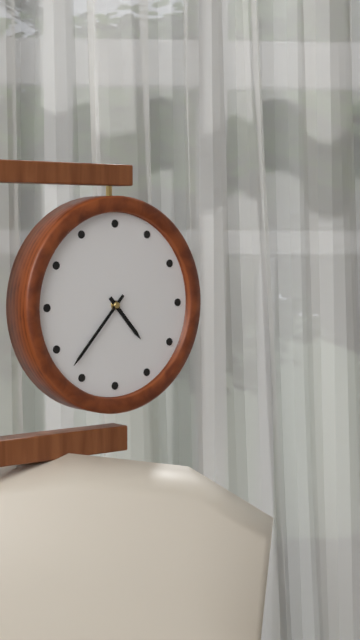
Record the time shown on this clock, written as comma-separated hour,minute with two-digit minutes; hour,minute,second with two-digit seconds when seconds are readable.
4,37
